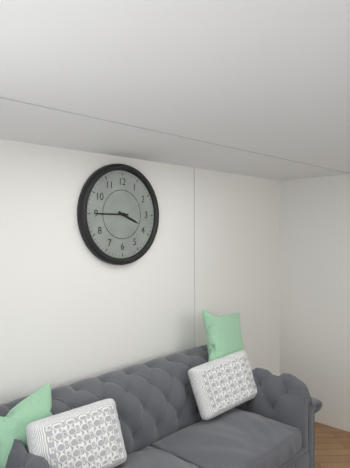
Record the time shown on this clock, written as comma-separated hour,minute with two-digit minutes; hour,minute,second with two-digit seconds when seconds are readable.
3,45
